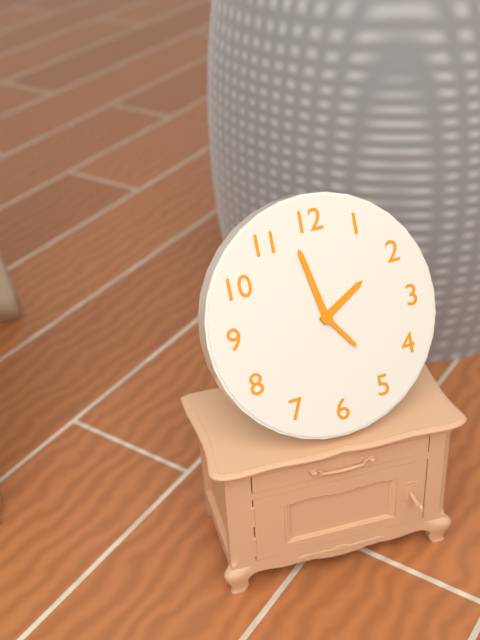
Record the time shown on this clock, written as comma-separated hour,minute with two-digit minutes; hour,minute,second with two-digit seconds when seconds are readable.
1,58,24
